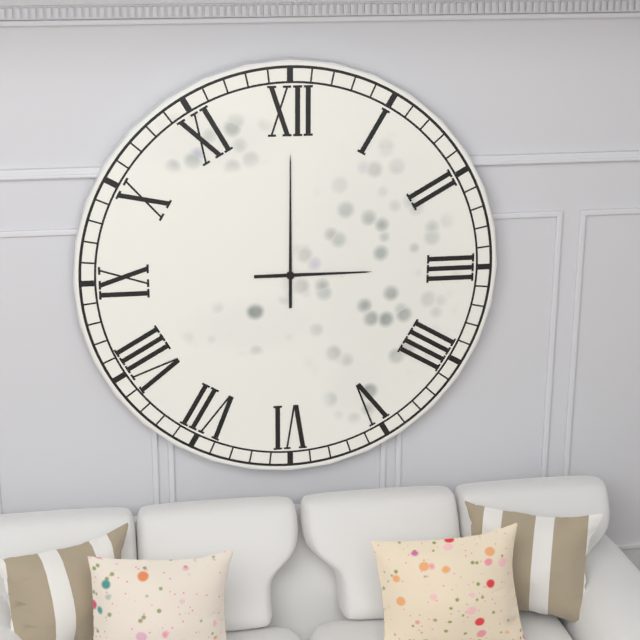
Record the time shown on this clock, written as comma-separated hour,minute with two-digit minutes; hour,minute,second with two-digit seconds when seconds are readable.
3,00
